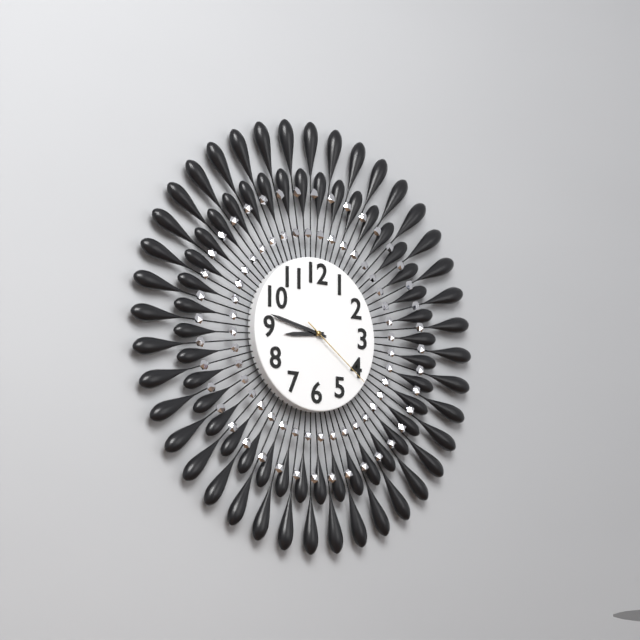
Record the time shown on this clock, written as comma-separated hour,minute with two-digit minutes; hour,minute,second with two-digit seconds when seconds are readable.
8,47,21
